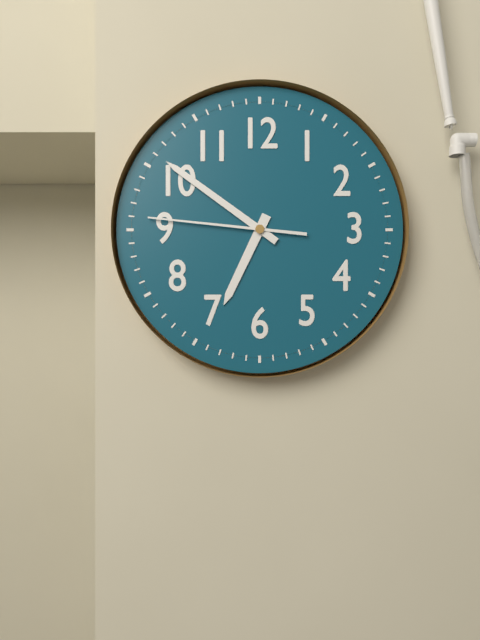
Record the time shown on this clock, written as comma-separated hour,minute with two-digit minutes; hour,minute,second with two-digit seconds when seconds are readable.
6,51,46
